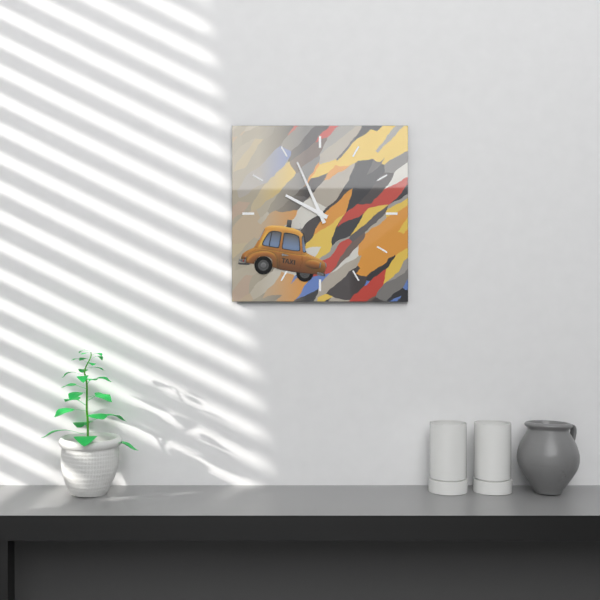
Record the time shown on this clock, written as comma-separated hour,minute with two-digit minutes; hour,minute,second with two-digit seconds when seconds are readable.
9,56
